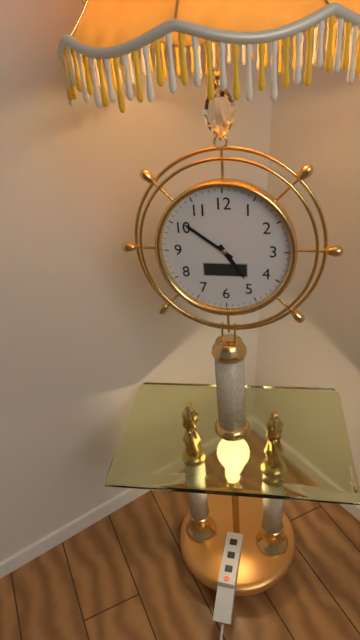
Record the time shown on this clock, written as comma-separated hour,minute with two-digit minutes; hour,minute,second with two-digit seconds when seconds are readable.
4,51
